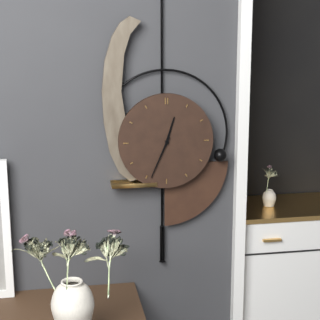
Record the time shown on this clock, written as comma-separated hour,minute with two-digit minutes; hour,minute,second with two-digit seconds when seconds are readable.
12,34
